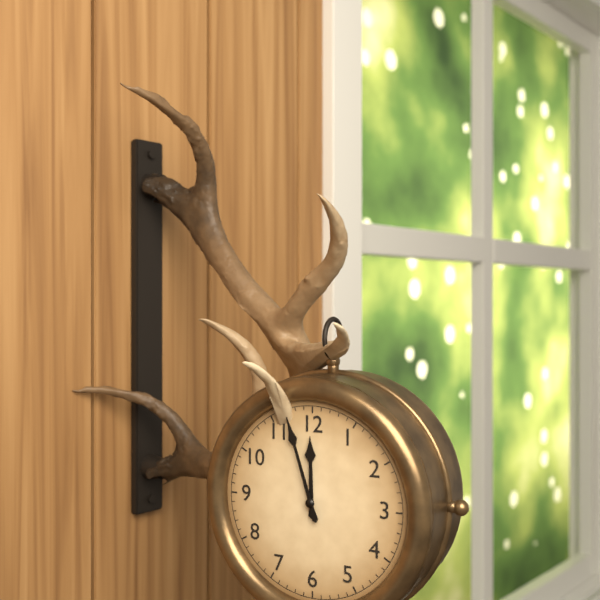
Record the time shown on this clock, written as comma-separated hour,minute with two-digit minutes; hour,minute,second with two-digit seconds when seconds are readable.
11,57
